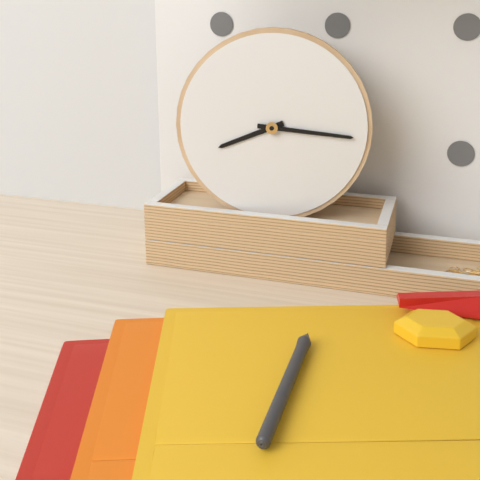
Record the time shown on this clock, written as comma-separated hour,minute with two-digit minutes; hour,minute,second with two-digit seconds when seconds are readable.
8,16
